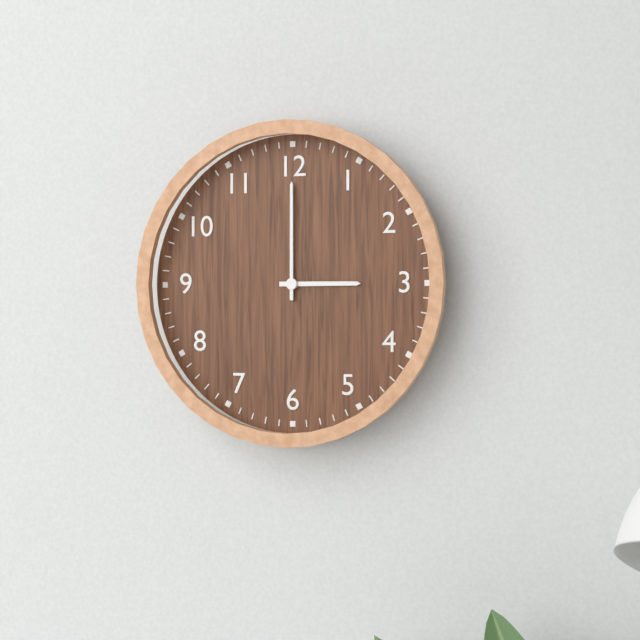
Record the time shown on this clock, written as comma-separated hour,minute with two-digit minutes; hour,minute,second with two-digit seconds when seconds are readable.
3,00
